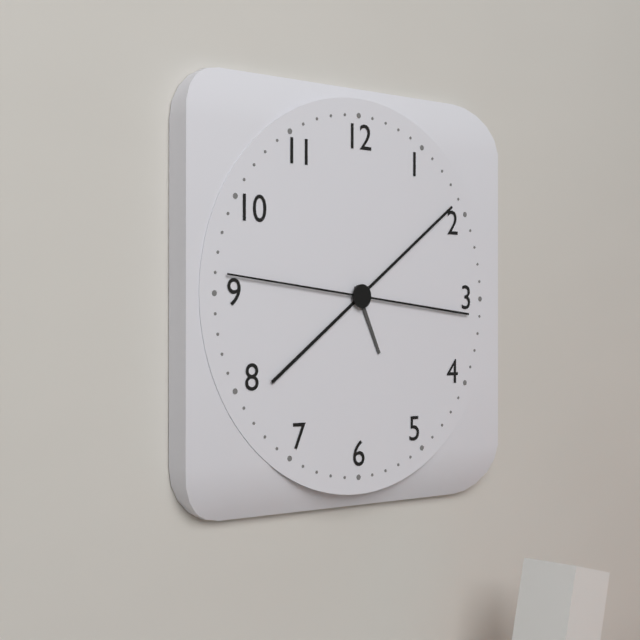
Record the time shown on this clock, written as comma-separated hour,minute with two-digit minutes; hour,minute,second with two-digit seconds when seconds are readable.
5,09,46
